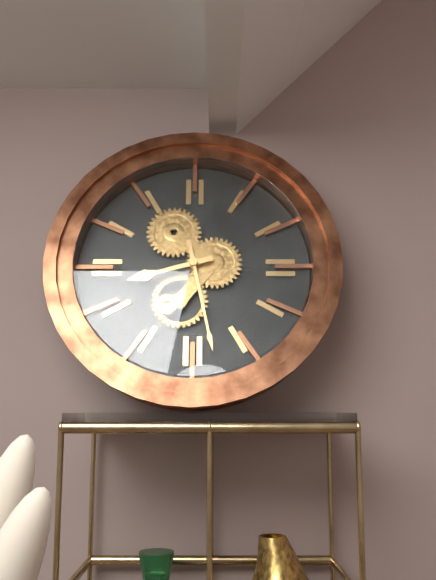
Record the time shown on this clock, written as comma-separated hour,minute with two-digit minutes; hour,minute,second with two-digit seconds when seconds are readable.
8,28
